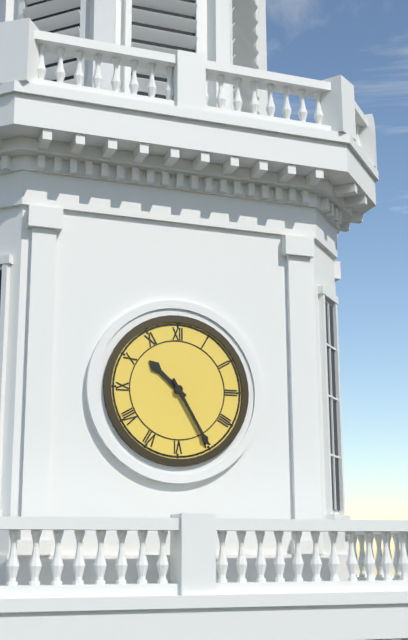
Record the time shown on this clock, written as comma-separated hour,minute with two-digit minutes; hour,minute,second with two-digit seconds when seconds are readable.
10,25
